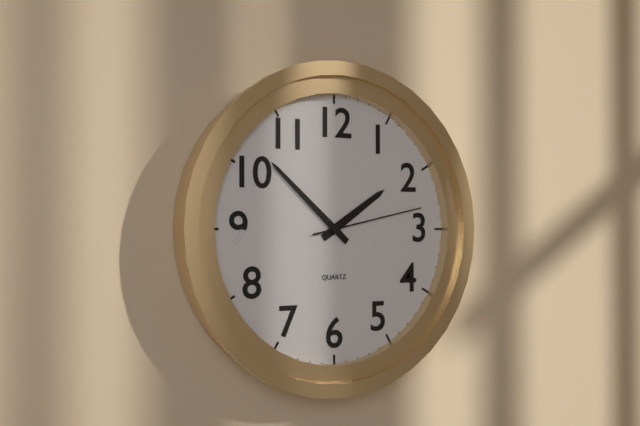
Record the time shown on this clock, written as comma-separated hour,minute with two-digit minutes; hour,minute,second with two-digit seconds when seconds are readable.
1,52,13
